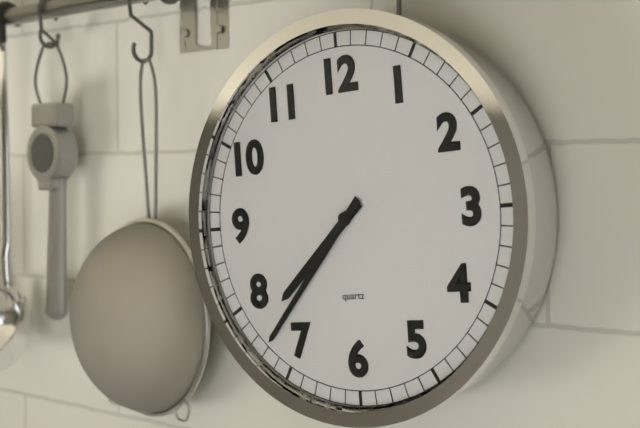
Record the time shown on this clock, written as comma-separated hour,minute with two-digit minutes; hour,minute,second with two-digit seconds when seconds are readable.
7,37
